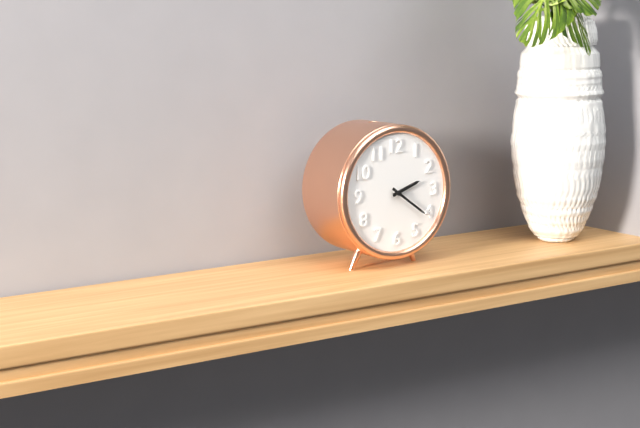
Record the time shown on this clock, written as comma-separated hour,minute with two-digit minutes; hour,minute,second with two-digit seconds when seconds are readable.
2,21
